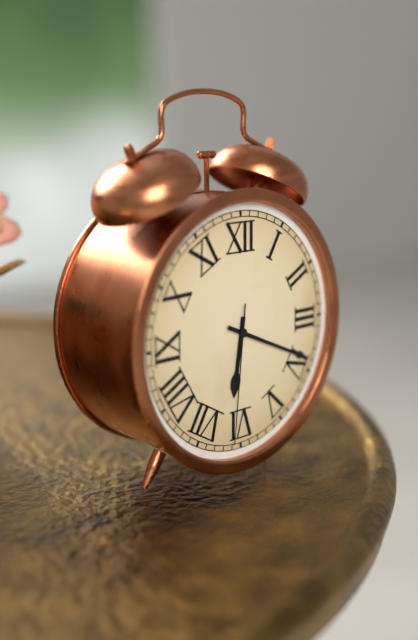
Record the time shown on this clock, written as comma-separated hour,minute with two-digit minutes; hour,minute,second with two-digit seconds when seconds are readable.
6,19,31
